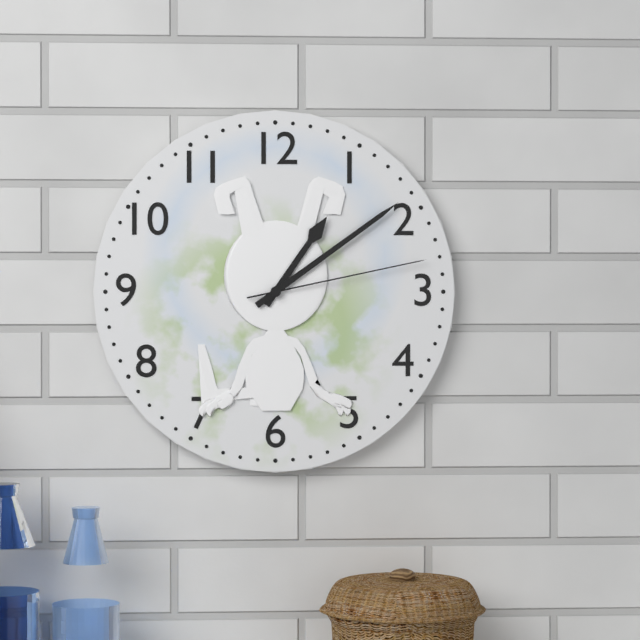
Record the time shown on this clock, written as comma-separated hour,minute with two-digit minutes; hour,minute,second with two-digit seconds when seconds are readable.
1,09,13
